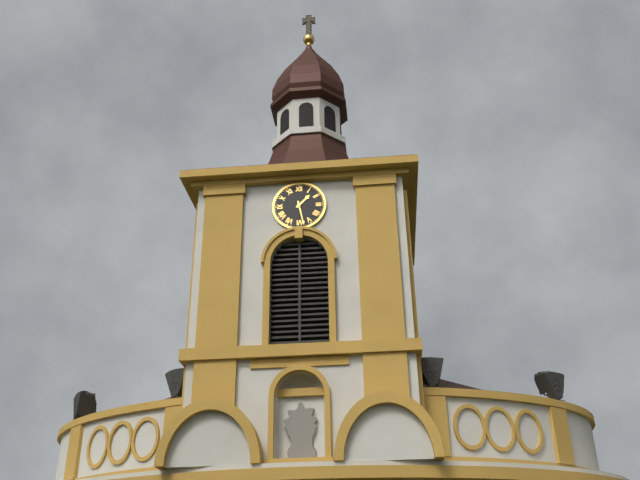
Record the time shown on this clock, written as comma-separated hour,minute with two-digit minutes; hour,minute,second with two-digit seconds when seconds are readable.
1,28
